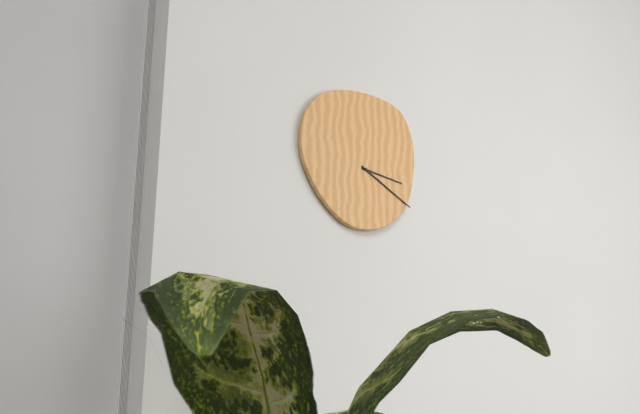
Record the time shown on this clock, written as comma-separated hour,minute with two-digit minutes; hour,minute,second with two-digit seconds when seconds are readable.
3,20
